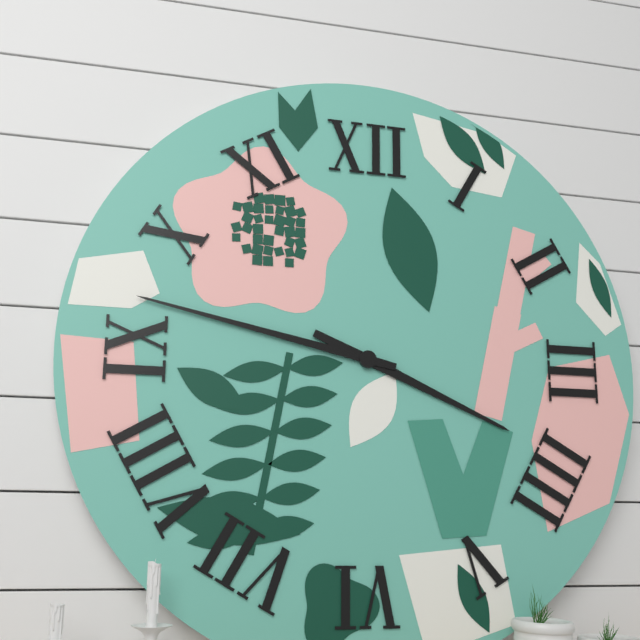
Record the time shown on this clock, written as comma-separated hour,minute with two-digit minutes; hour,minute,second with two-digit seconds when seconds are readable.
3,47
